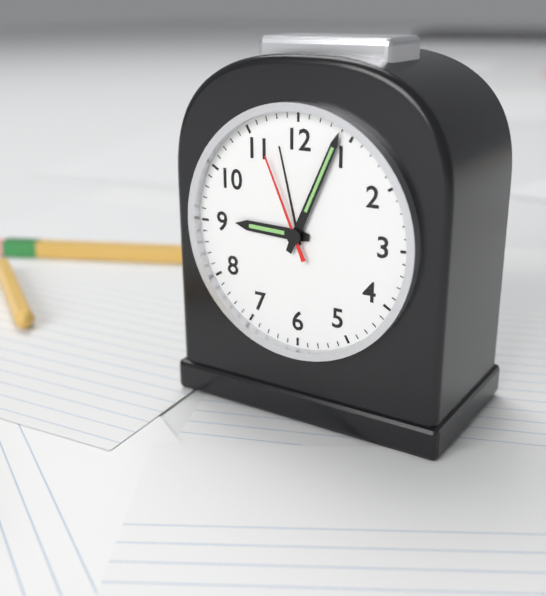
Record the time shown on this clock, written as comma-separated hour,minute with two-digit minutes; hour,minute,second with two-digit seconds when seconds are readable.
9,04,56
